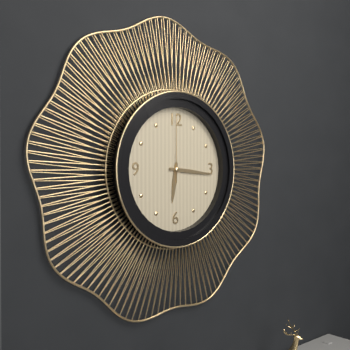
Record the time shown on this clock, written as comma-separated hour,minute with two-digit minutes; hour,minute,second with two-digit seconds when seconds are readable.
6,16,00
